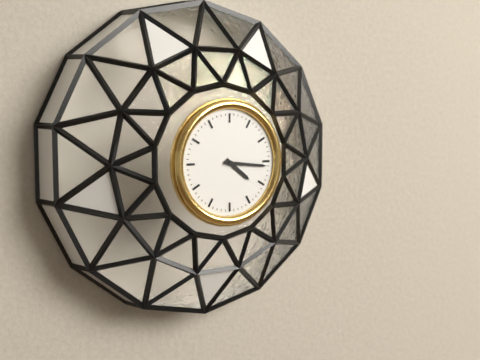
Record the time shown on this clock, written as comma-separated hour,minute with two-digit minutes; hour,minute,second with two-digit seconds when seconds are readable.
4,16
